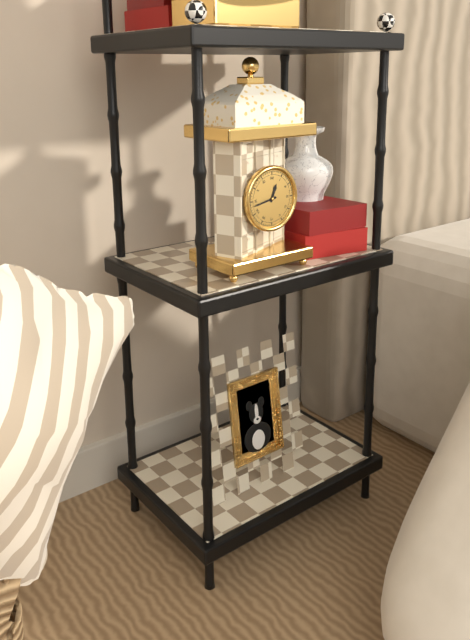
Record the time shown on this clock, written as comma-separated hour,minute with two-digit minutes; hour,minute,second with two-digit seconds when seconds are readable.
12,43
